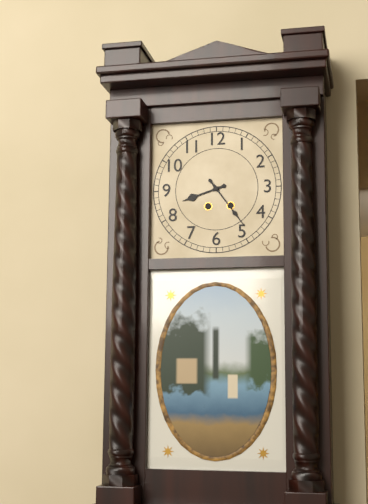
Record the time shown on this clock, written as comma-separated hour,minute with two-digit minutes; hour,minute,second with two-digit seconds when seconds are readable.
8,24
